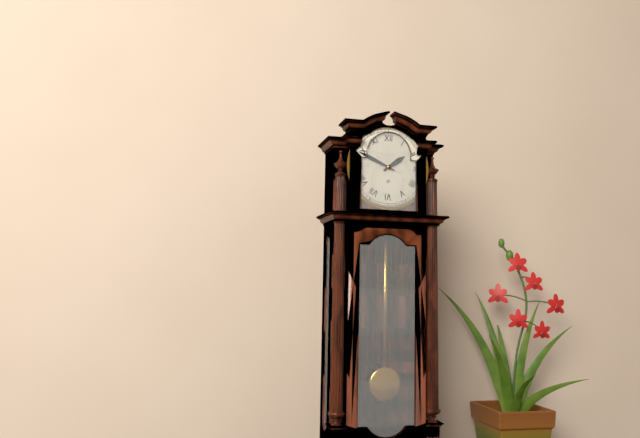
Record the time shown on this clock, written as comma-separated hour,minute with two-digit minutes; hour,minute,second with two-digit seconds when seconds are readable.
1,49
